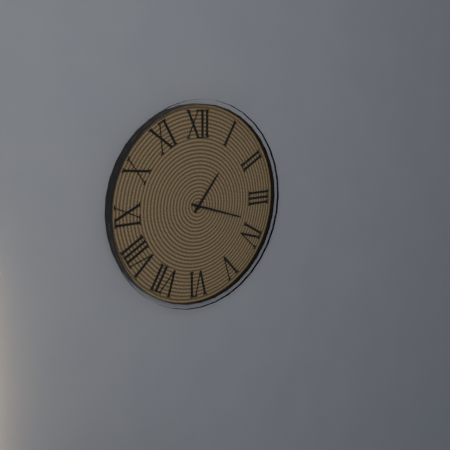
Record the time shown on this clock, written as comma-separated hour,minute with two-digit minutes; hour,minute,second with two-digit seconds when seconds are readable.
1,18
